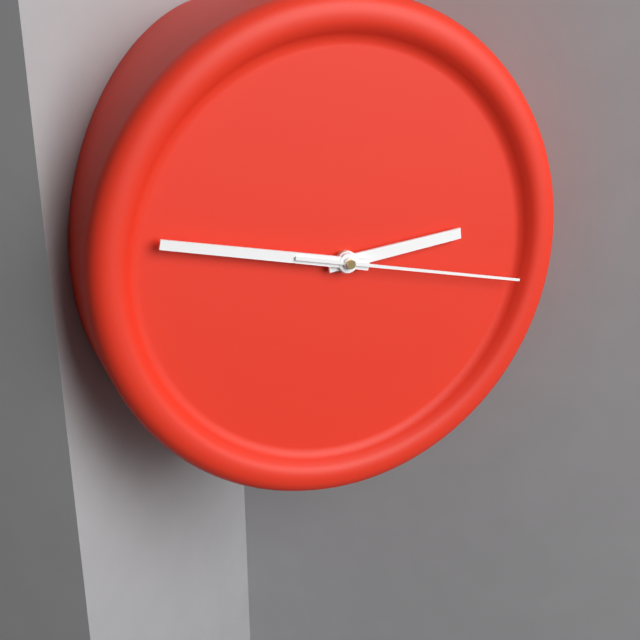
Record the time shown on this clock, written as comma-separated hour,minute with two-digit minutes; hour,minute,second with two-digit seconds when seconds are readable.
2,47,17
